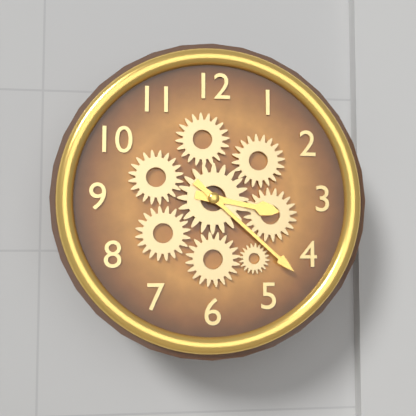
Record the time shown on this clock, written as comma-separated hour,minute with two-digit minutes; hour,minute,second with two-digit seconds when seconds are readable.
3,22
